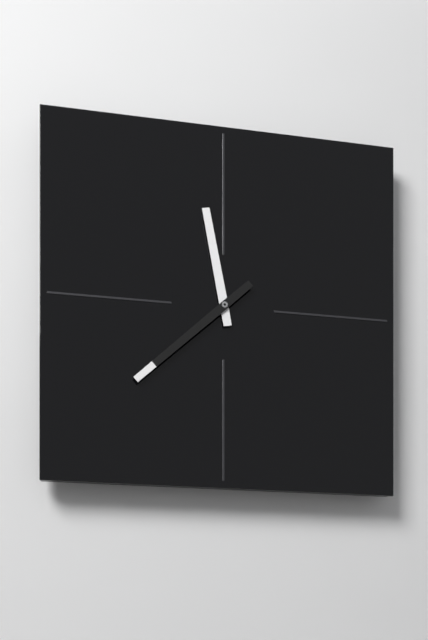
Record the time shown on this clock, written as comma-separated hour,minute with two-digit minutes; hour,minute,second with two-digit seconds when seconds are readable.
11,38
